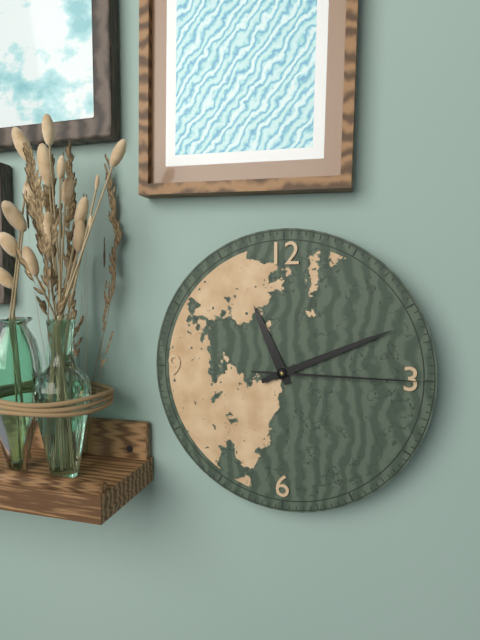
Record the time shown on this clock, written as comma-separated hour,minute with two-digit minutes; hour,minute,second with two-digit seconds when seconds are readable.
11,11,15
